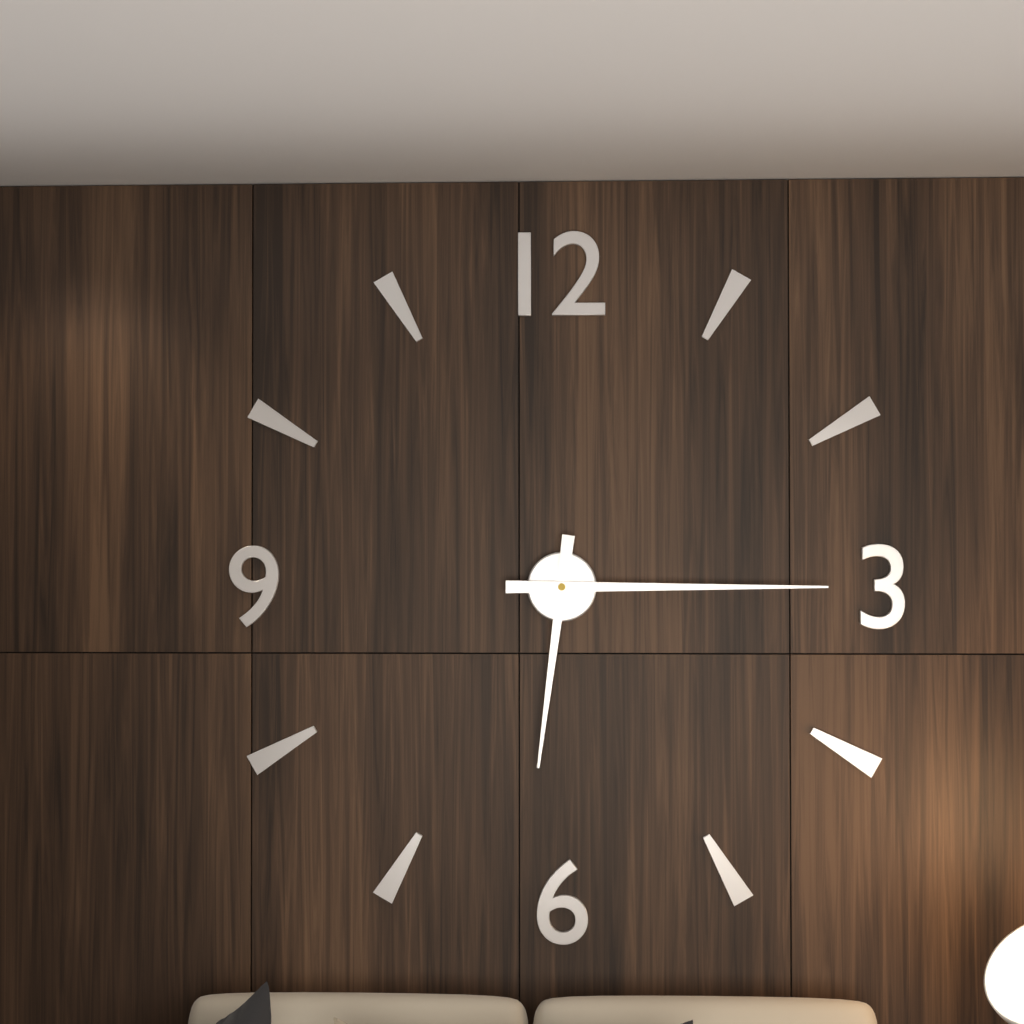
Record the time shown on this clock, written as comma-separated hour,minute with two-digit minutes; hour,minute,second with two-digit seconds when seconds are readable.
6,15
